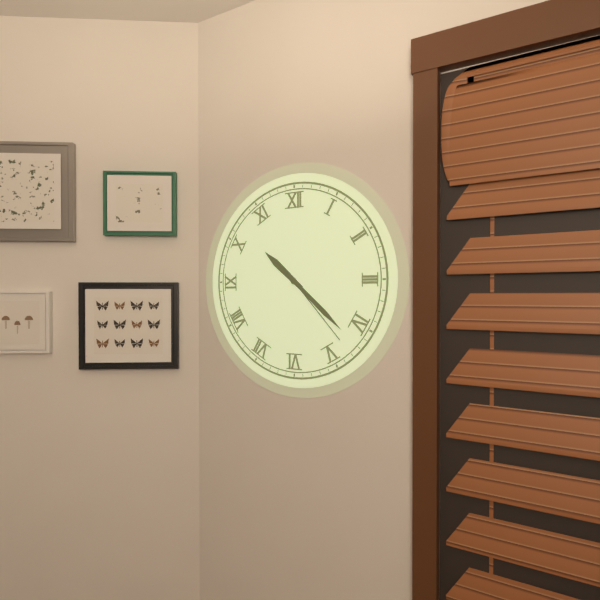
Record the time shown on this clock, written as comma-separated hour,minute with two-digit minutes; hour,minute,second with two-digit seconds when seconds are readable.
10,22,23
